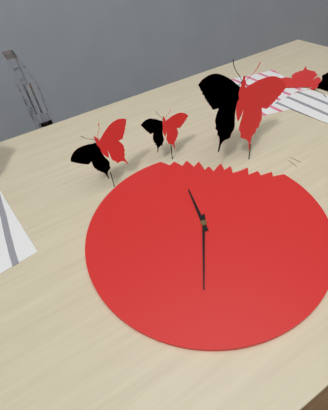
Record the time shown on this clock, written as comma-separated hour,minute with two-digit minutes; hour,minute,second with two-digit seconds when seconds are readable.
12,36
